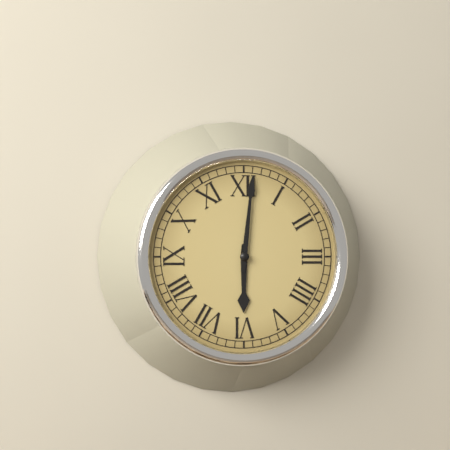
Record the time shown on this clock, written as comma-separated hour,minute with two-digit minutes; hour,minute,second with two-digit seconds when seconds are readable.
6,01
